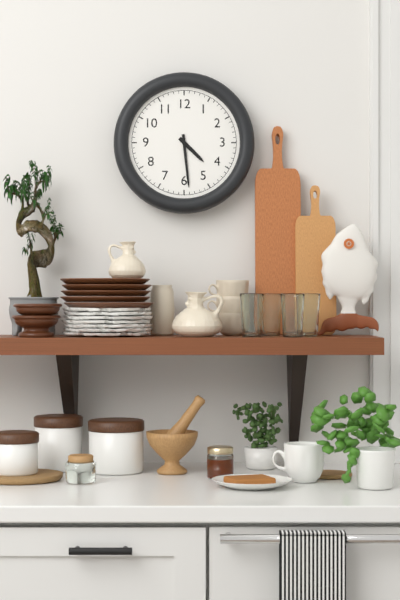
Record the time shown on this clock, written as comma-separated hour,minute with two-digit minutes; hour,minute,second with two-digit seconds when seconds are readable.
4,29
